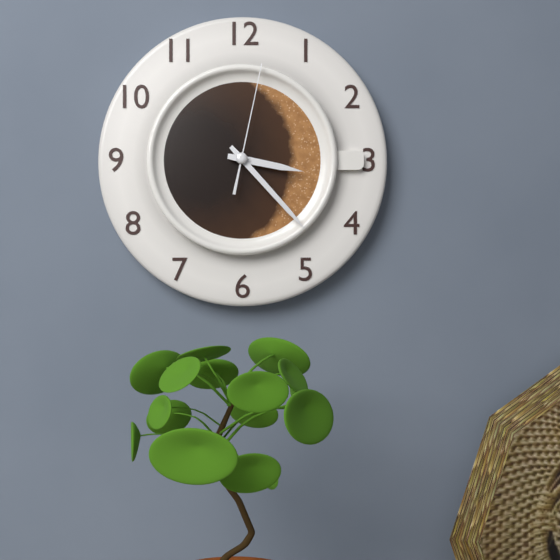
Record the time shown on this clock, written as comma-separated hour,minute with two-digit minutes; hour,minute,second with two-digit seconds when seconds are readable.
3,23,02
